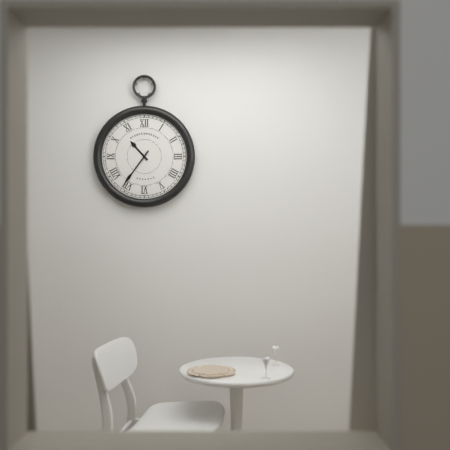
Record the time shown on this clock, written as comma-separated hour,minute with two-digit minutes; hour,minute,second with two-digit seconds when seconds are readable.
10,36
